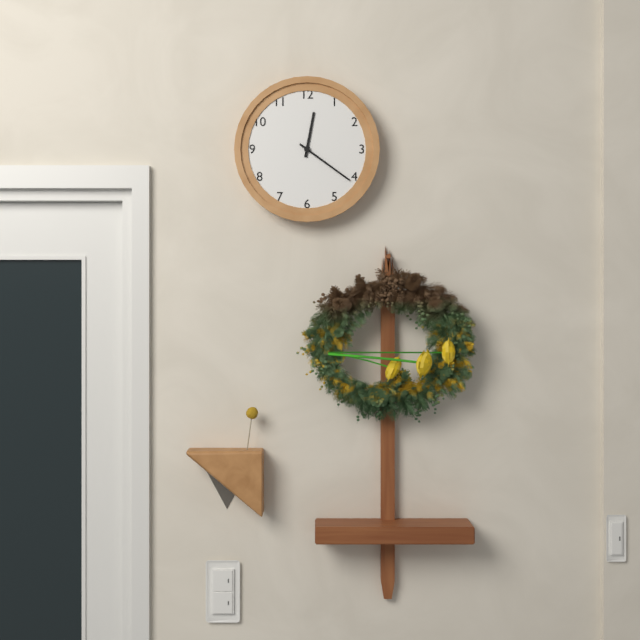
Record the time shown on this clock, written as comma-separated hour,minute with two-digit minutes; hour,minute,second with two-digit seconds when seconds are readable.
12,21
